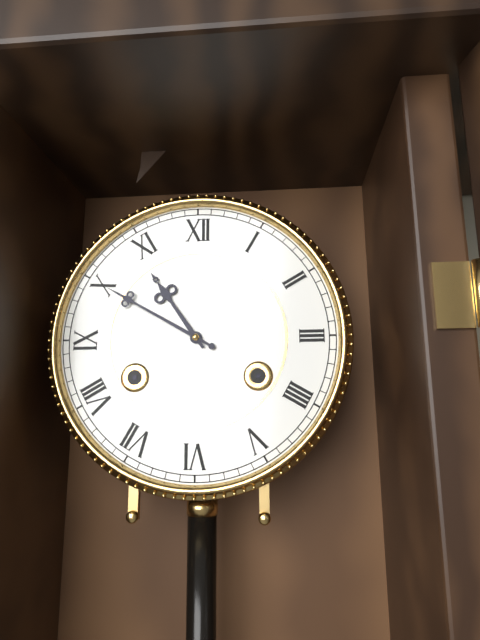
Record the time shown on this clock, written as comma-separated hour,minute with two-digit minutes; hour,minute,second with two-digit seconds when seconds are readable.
10,50
